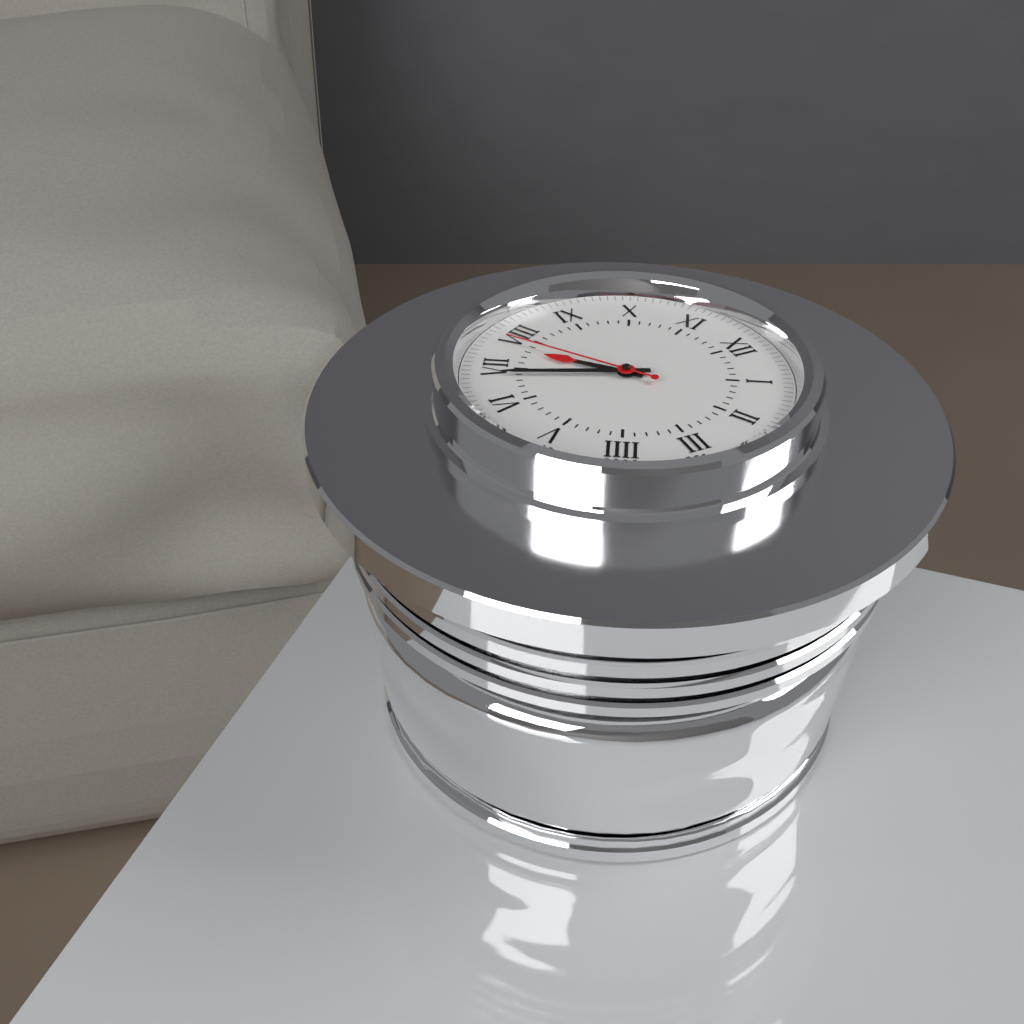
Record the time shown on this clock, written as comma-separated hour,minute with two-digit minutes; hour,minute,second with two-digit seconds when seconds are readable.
7,34,39
